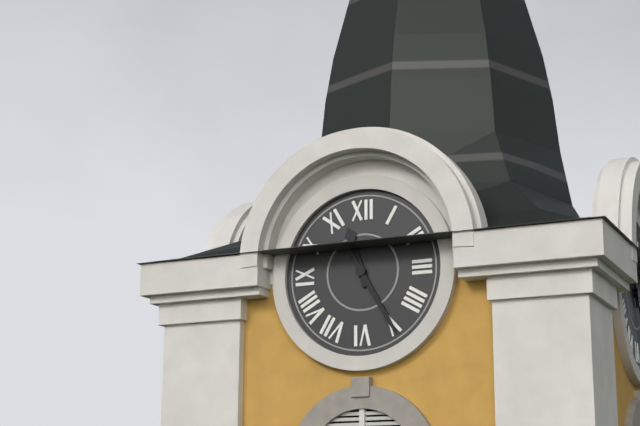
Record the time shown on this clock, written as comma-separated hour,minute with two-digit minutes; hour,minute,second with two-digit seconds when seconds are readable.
11,25
